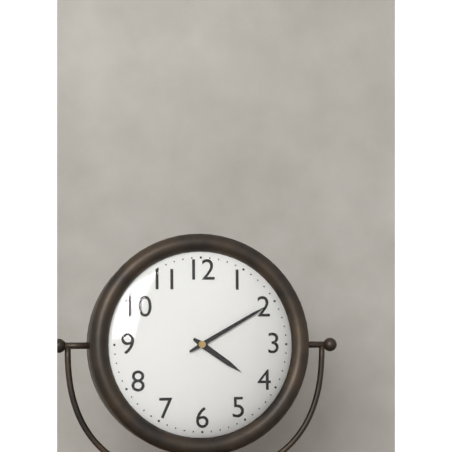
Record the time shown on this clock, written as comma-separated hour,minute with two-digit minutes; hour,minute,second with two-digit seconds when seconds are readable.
4,10
